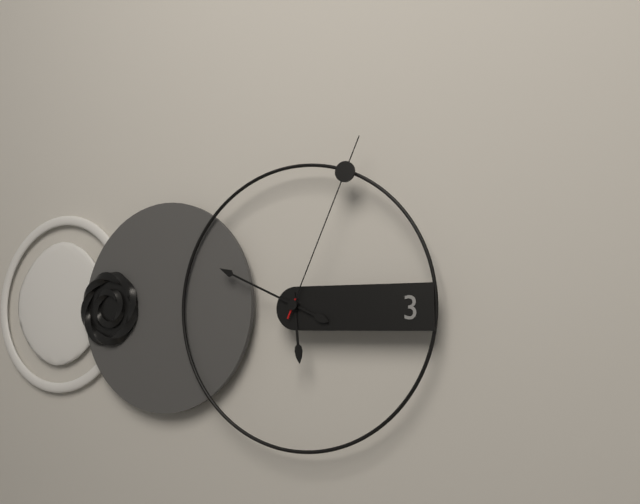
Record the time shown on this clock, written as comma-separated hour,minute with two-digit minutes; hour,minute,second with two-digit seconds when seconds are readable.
5,49,04
